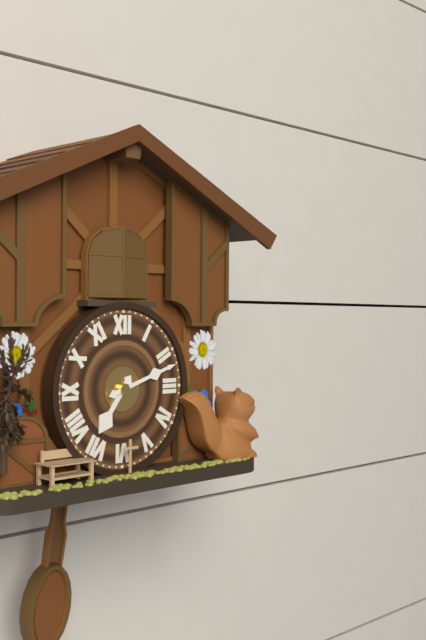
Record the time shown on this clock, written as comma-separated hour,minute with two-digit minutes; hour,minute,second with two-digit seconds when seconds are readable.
7,12
